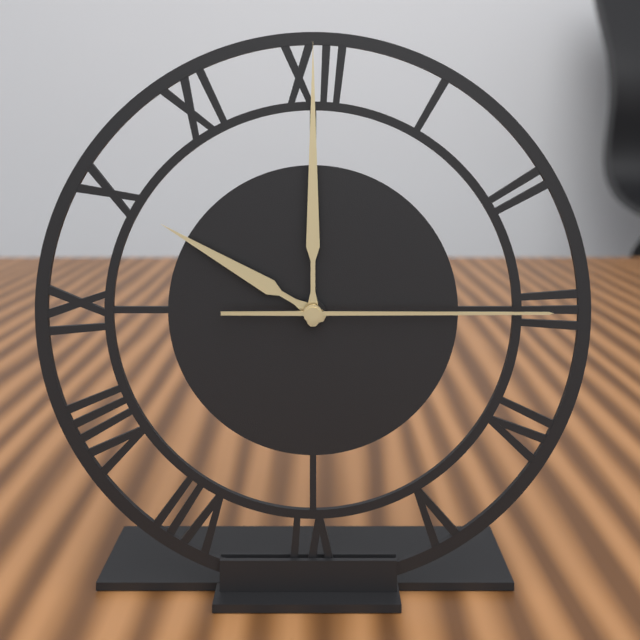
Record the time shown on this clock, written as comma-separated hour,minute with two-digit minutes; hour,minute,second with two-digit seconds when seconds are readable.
10,00,15
